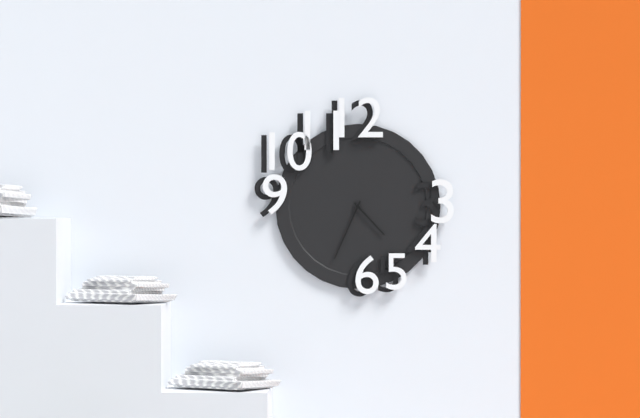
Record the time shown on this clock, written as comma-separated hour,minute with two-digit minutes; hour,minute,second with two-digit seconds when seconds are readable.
4,34
